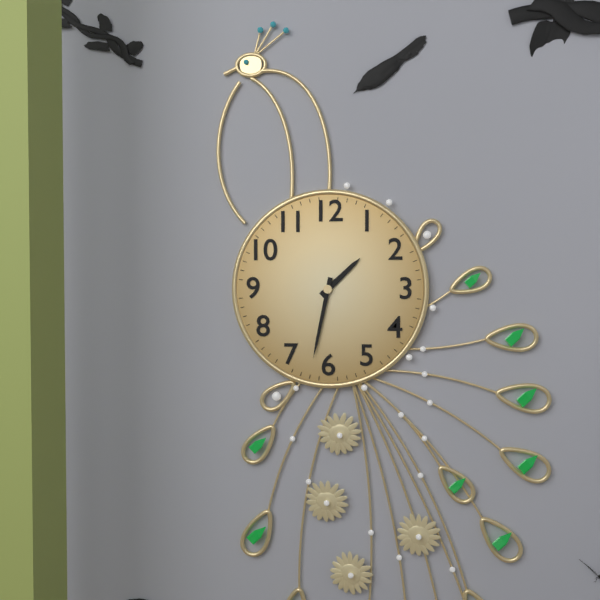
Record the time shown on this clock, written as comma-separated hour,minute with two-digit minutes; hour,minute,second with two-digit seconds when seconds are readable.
1,32
